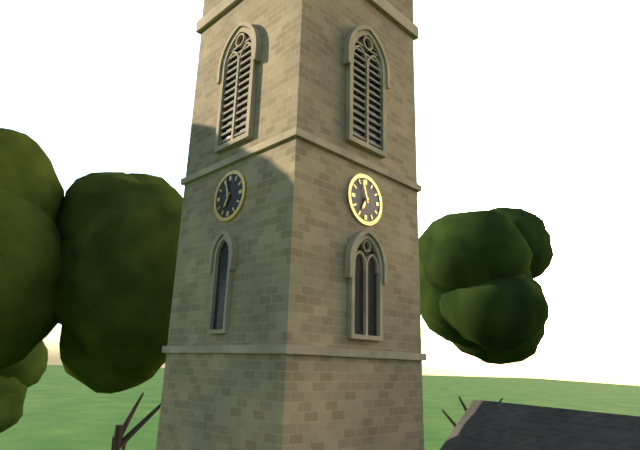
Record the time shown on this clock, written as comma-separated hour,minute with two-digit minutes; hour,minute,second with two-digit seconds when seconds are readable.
6,57
